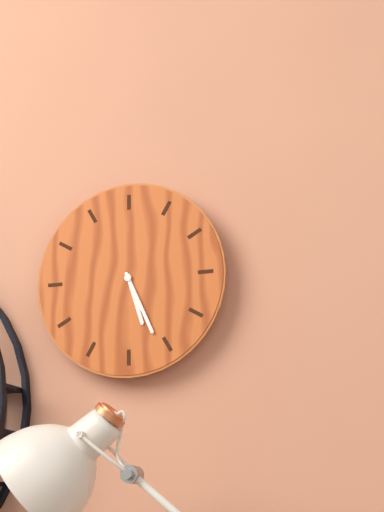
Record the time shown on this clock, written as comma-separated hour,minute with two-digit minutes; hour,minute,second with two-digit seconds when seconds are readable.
5,26
